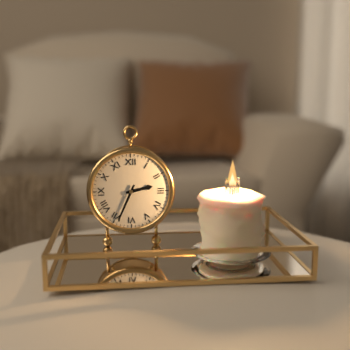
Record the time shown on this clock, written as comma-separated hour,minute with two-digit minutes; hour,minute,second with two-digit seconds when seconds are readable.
2,34
